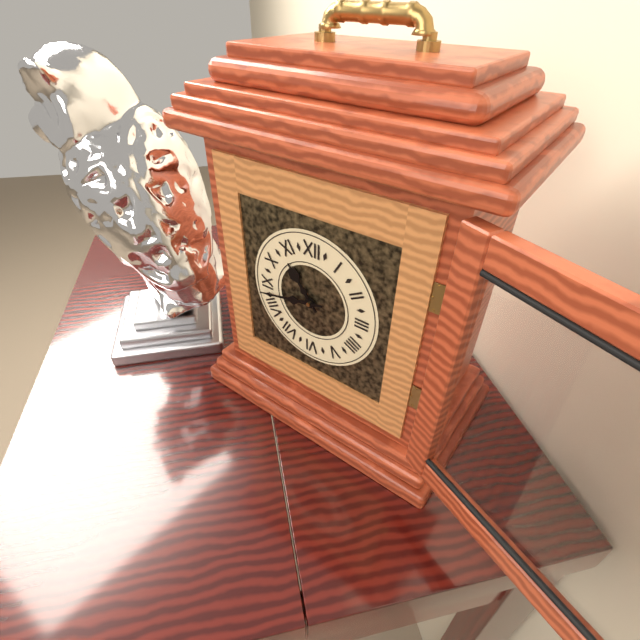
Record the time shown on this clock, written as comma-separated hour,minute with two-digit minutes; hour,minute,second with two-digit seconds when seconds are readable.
10,43
